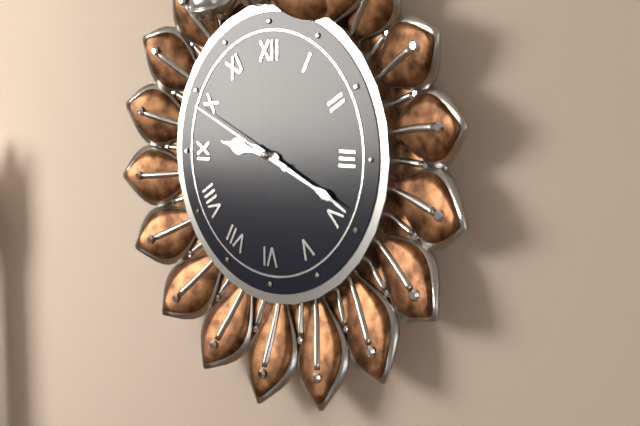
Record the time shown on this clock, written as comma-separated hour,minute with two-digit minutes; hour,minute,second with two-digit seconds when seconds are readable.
9,19,49
